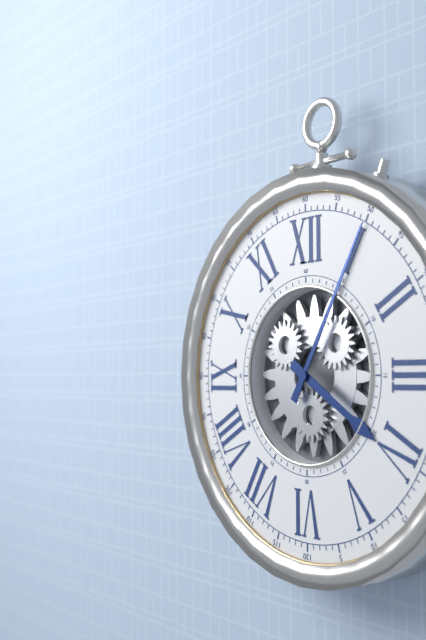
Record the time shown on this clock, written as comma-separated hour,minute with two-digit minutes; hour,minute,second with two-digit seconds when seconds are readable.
4,05
